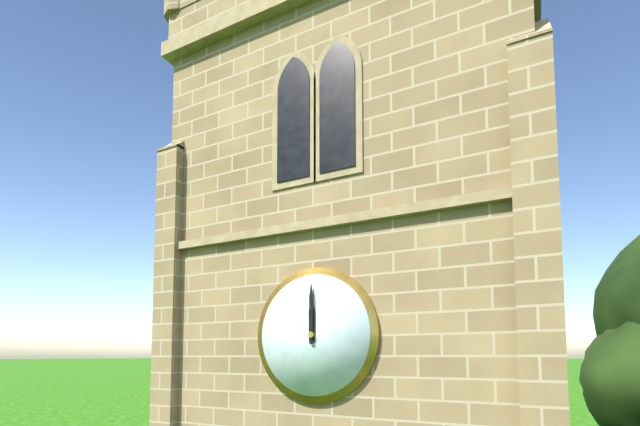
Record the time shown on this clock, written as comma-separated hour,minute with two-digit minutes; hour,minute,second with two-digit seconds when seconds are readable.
12,00
